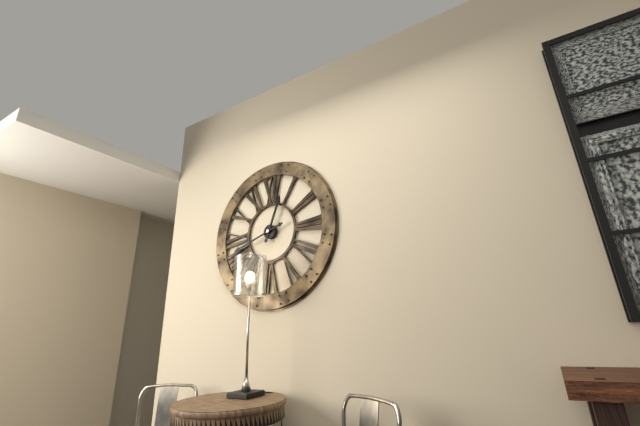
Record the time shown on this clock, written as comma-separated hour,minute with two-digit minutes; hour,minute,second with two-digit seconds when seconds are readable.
12,42
